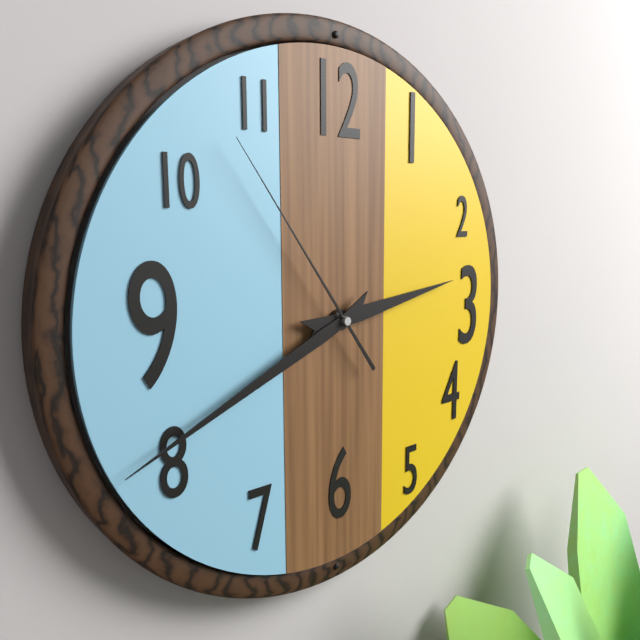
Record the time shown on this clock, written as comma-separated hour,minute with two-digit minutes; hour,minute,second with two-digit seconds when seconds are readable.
2,41,54
